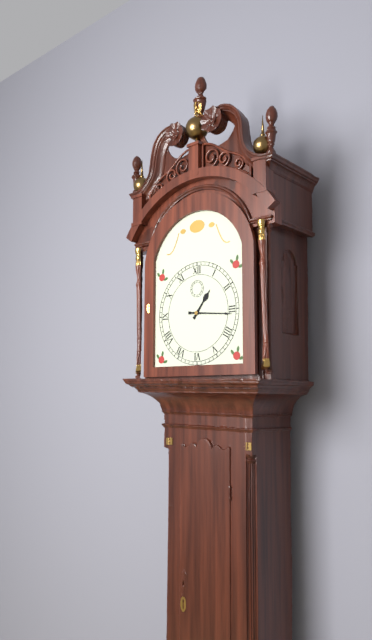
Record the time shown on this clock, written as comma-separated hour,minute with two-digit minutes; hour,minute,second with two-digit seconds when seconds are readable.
1,16
